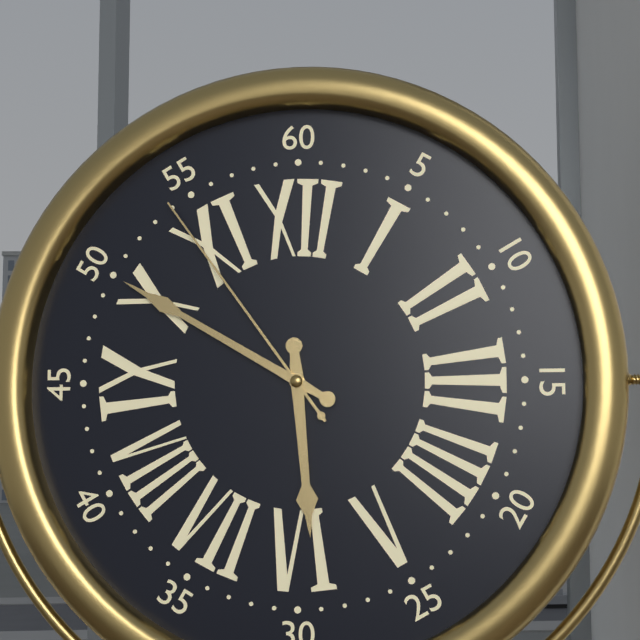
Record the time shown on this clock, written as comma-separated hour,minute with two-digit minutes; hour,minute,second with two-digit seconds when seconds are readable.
5,50,54
